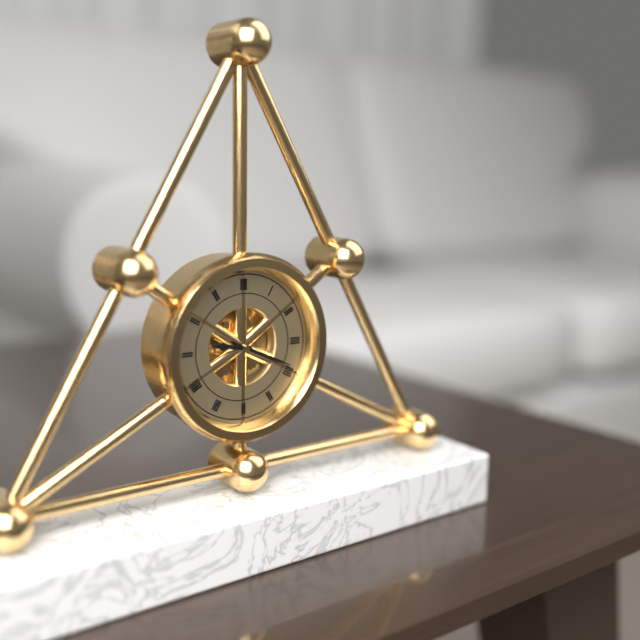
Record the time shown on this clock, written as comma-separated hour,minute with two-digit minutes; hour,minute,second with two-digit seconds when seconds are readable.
9,19
